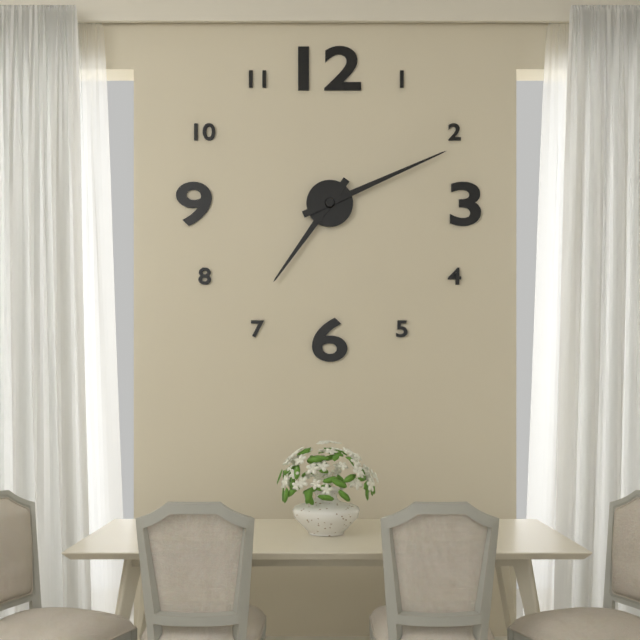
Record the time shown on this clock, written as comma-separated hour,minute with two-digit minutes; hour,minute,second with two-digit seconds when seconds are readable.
7,11
